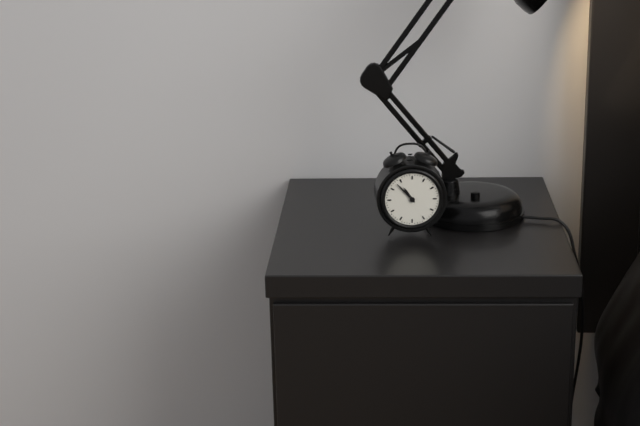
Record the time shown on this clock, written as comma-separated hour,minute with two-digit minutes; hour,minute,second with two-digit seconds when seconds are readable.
10,53
